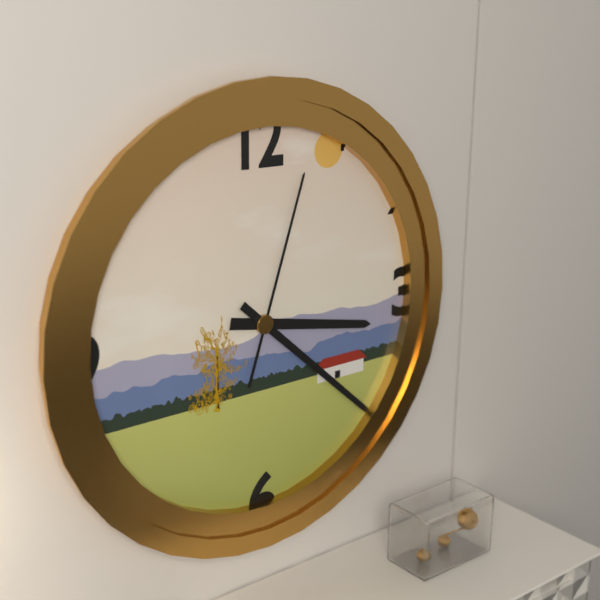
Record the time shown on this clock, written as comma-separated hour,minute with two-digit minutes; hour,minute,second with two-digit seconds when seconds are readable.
3,22,03
